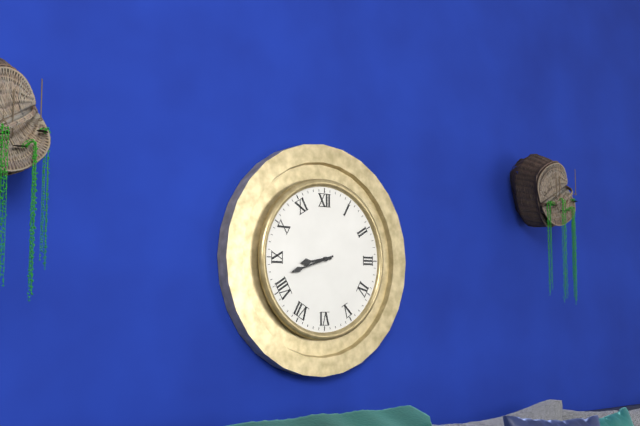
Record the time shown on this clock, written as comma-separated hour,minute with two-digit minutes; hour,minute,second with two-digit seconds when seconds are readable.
8,42
